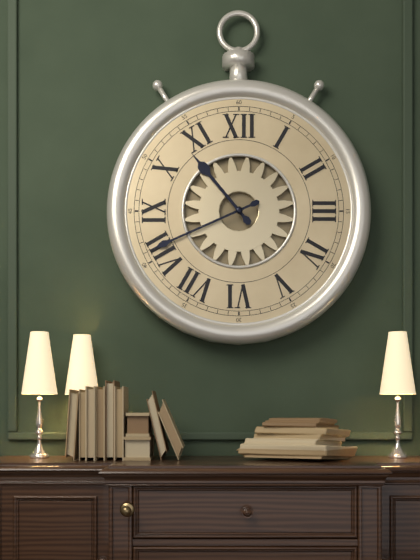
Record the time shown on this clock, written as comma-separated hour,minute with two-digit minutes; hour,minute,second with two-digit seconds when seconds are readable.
10,41
